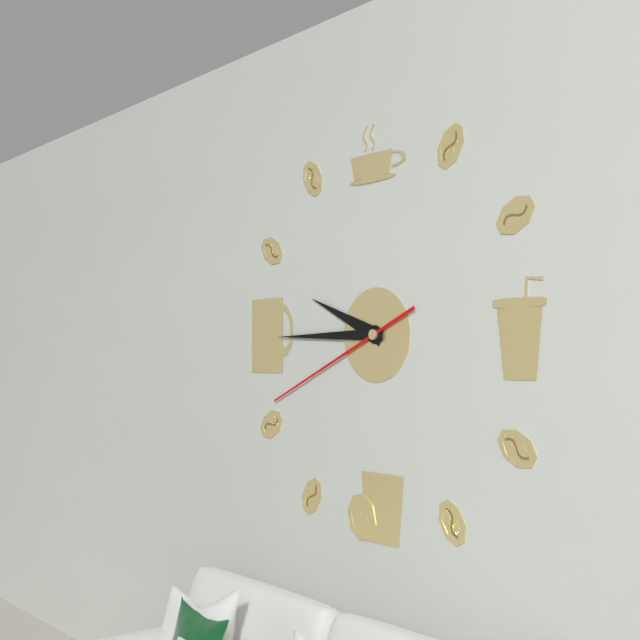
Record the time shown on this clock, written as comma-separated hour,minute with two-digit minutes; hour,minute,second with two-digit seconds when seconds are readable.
9,45,41
